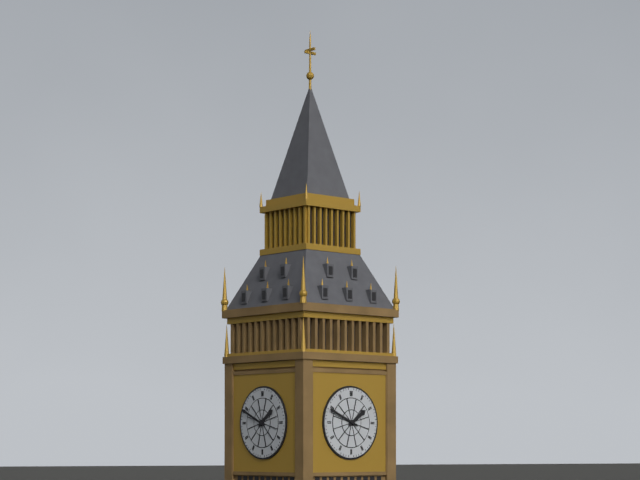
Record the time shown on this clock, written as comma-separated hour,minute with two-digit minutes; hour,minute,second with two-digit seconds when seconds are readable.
1,49
